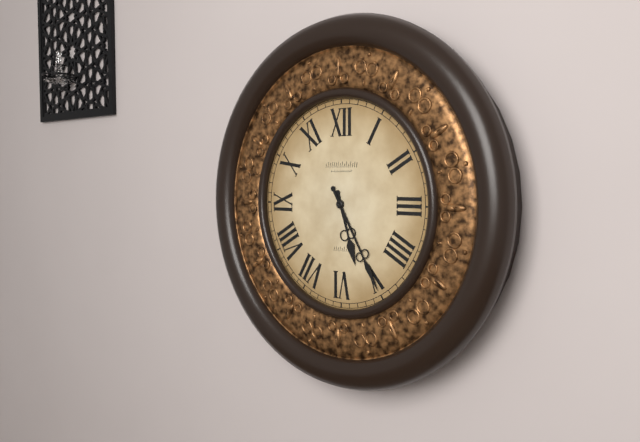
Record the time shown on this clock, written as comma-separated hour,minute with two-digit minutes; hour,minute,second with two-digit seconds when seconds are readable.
5,25
